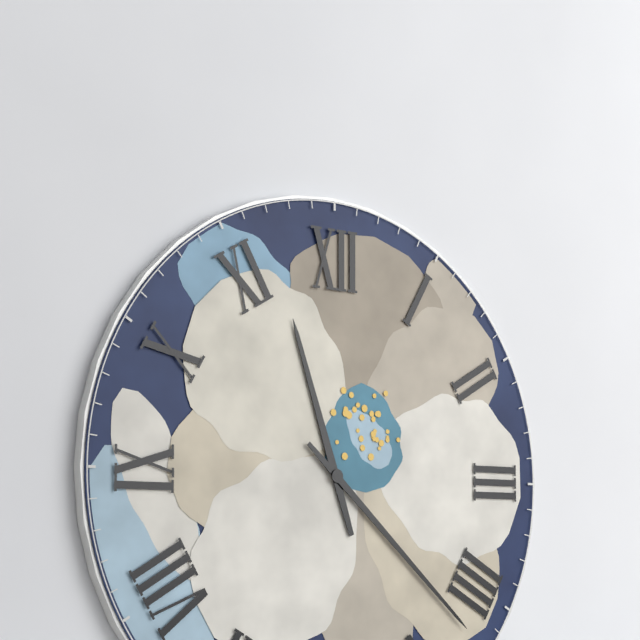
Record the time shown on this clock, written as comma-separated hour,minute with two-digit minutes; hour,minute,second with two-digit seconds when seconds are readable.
11,22
